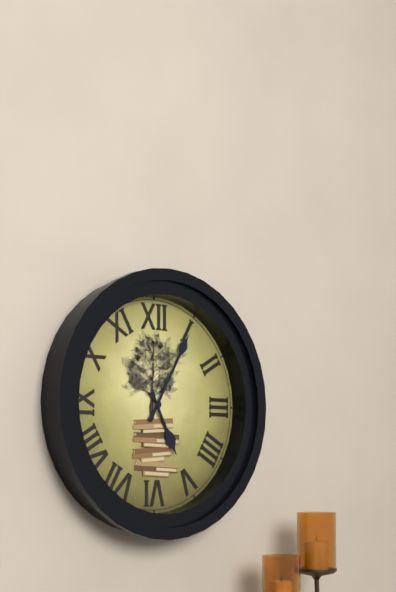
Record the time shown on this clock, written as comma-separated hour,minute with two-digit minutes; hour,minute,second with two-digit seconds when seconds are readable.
5,05
